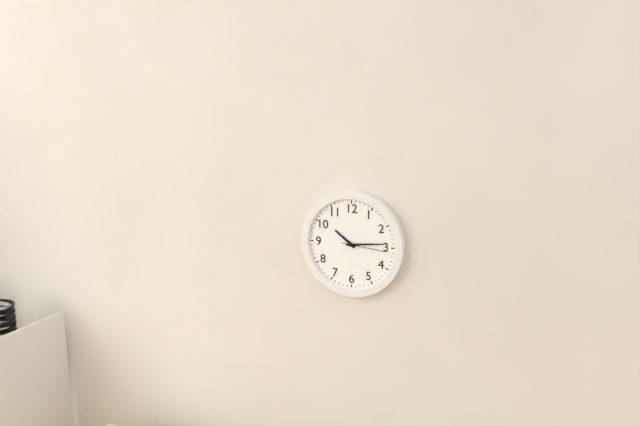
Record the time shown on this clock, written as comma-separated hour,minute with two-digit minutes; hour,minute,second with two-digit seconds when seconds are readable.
10,14
